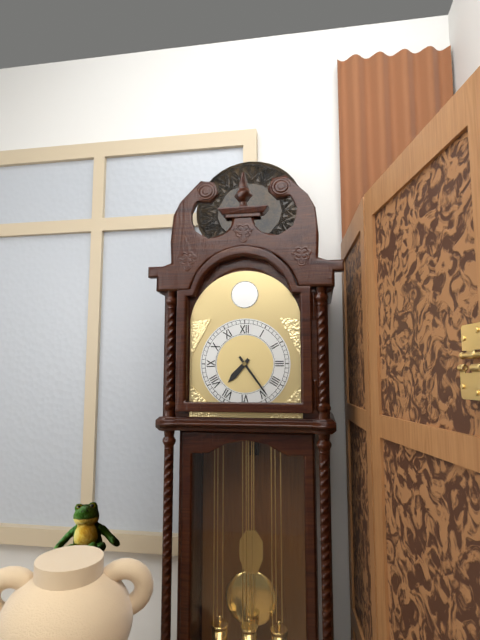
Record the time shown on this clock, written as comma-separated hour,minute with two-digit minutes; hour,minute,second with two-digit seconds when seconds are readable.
7,24
